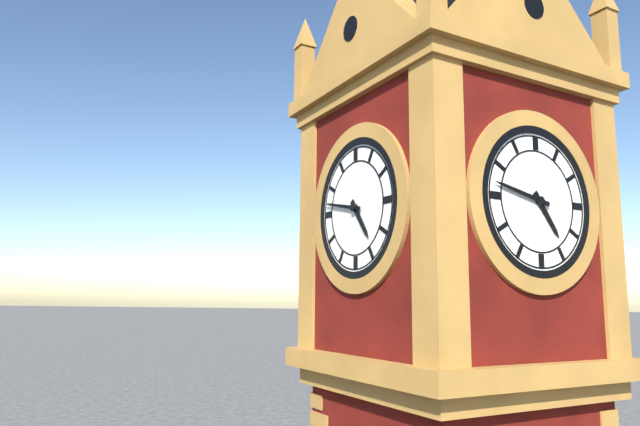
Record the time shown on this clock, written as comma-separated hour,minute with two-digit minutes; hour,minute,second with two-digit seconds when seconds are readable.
4,47
